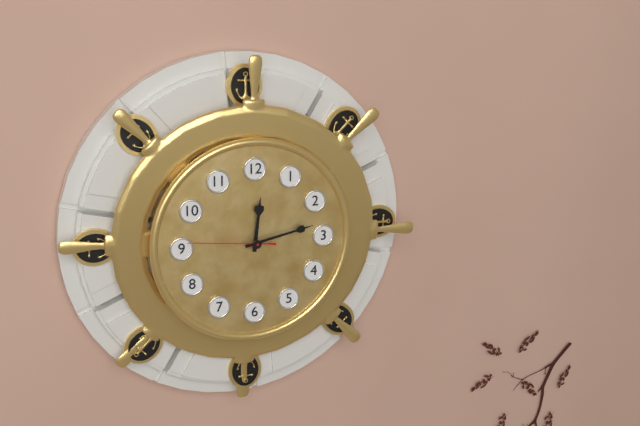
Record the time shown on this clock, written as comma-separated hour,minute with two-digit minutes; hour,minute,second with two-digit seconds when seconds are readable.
12,13,46
